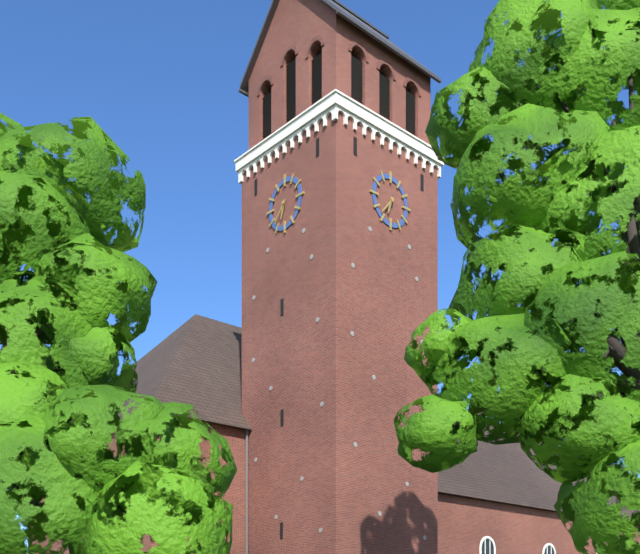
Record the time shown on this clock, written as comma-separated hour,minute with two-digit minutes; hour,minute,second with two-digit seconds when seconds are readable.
6,37
